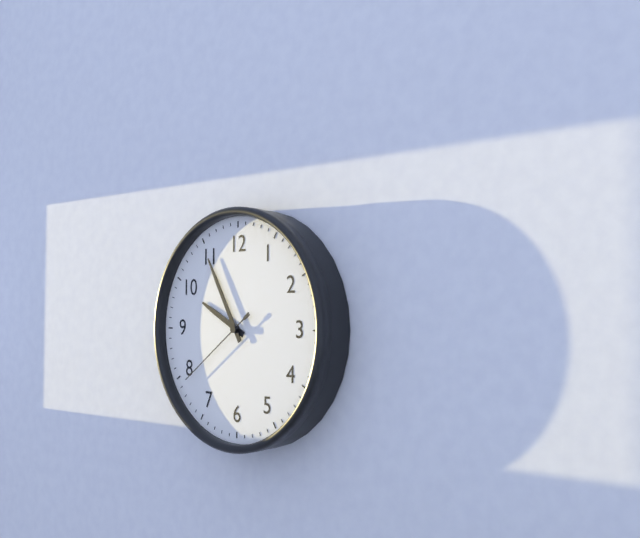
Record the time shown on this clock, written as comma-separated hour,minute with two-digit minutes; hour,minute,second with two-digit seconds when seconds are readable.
9,55,39
